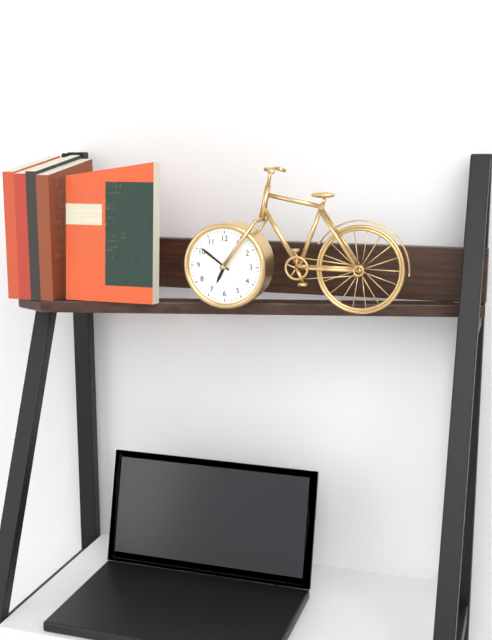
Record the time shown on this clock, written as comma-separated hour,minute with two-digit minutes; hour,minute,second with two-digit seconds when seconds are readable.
6,51
